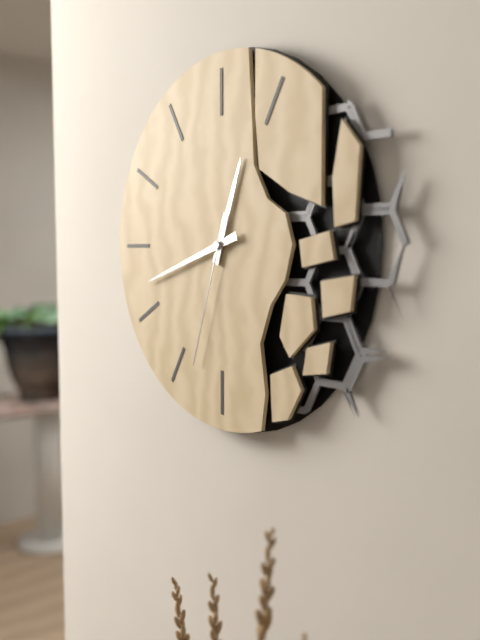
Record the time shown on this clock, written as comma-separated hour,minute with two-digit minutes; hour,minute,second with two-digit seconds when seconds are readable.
12,42,33
